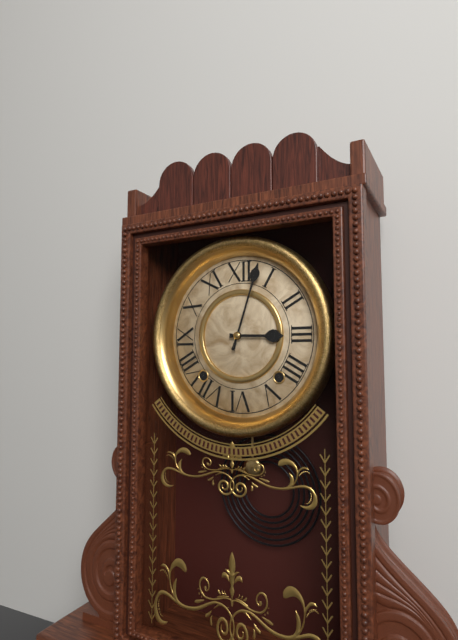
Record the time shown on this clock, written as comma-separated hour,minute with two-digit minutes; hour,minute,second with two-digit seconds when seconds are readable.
3,03
